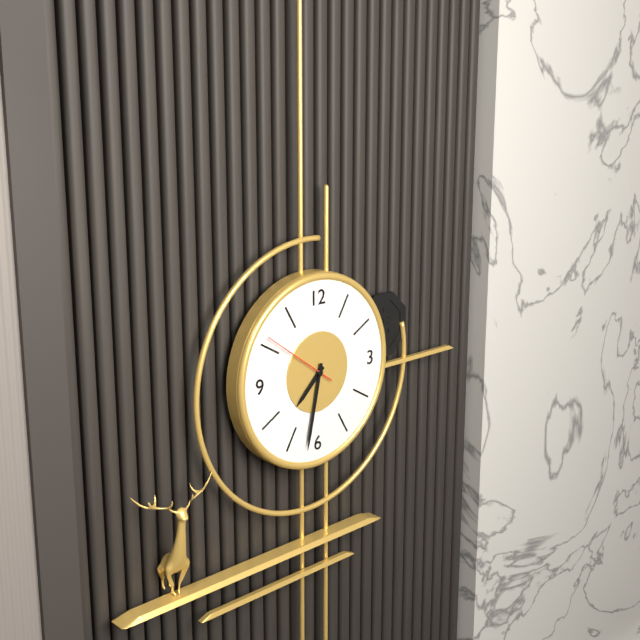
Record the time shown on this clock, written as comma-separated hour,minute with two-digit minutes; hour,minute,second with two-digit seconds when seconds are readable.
7,32,51
